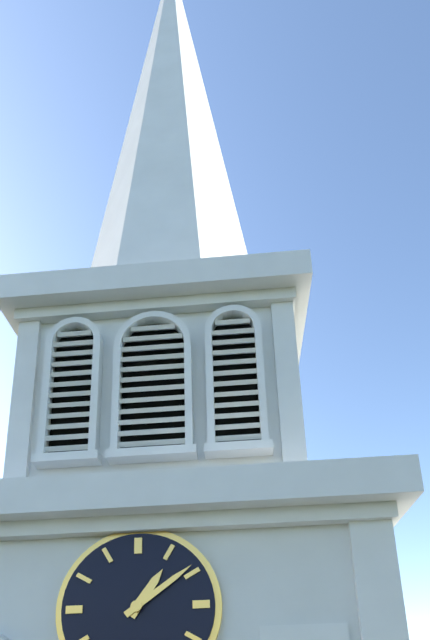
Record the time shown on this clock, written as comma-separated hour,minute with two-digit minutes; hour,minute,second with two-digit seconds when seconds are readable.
1,09
